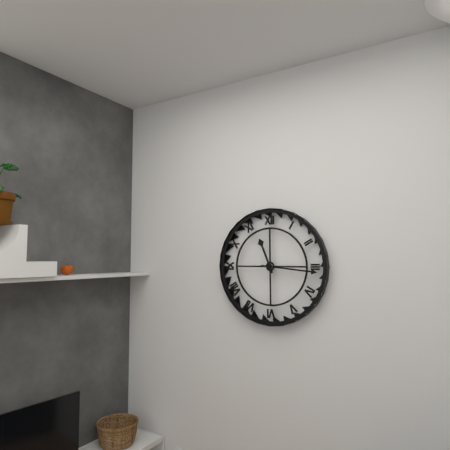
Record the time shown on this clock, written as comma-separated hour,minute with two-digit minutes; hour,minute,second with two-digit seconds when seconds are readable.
11,16
